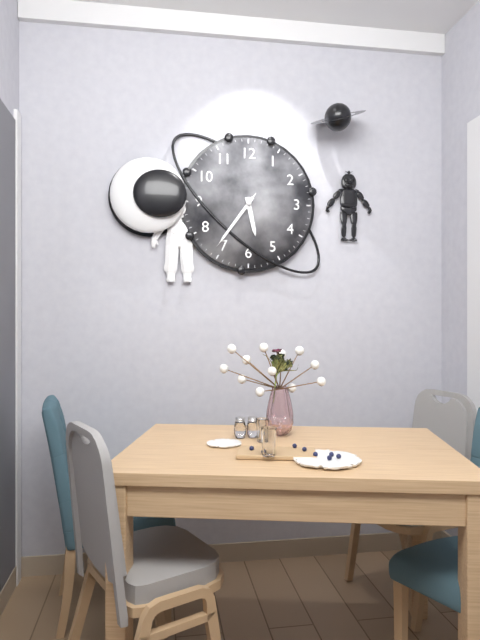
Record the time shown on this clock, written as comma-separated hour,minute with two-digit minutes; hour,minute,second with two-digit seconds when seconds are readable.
5,36,36
